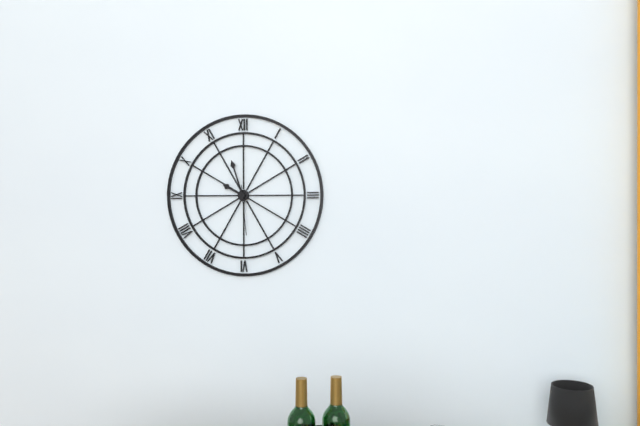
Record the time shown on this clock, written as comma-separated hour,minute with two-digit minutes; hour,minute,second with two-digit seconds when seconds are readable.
9,57
